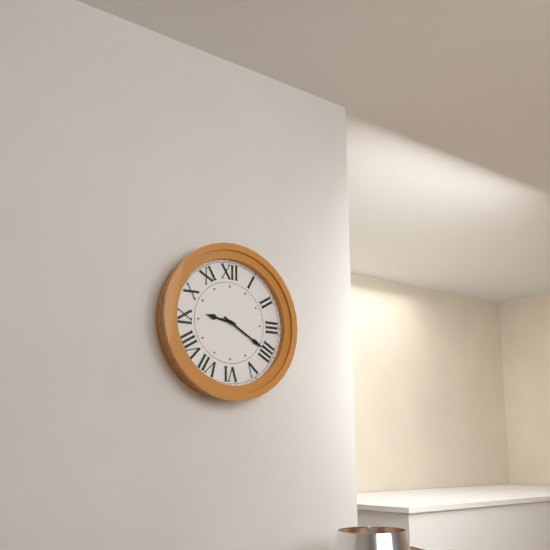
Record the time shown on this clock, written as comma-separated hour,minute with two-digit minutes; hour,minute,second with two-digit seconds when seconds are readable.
9,20
